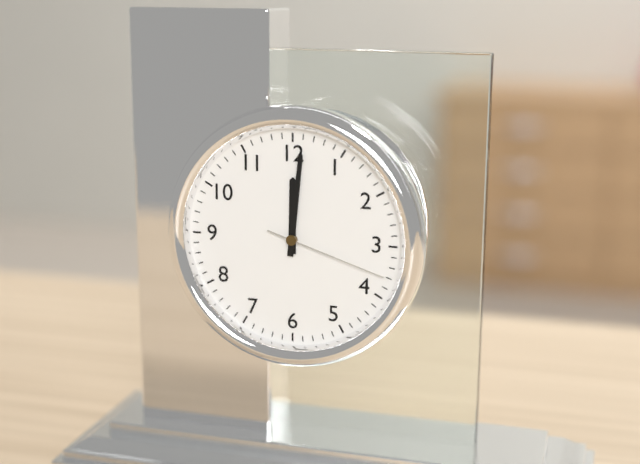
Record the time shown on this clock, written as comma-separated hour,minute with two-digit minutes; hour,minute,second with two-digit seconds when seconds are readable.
12,01,18
